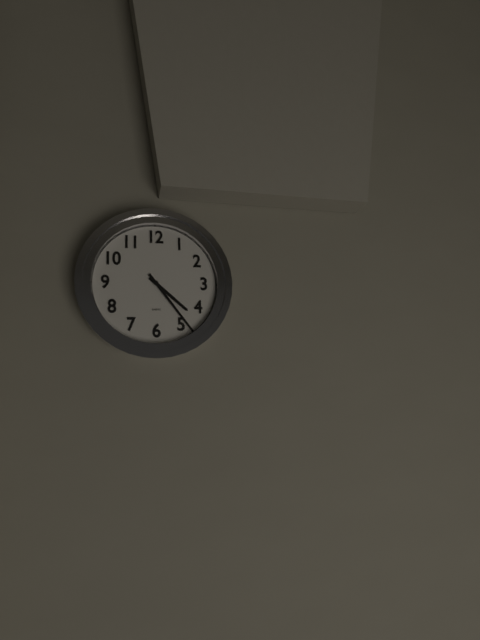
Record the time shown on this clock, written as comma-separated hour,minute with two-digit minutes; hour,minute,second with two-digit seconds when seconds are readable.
4,24
